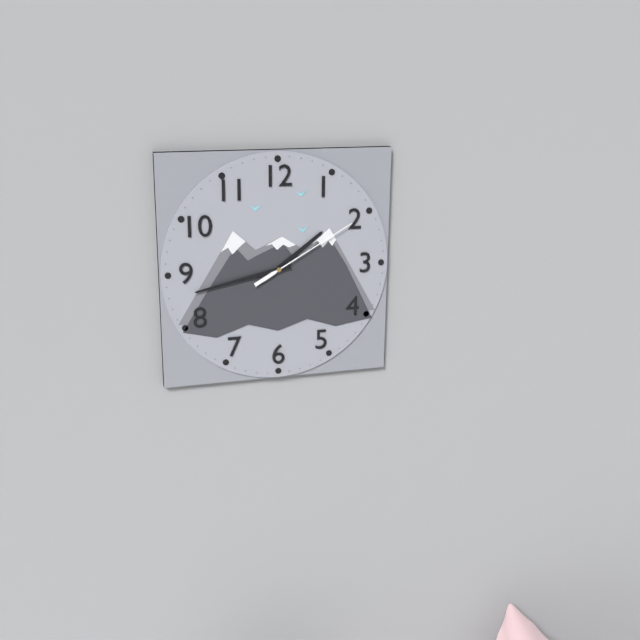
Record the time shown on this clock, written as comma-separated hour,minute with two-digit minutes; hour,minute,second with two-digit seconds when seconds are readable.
1,43,10
